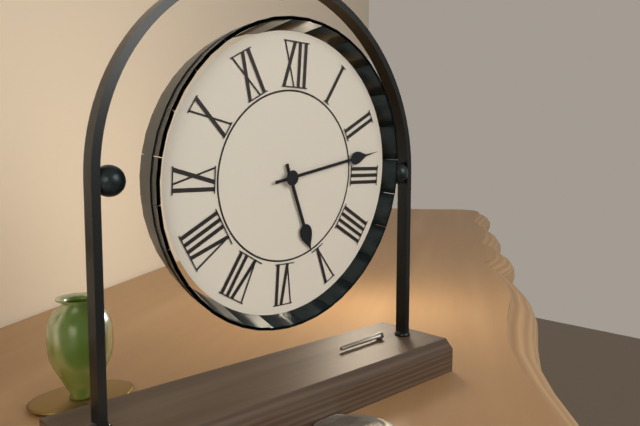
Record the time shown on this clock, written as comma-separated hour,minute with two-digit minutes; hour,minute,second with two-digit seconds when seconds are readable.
5,13
